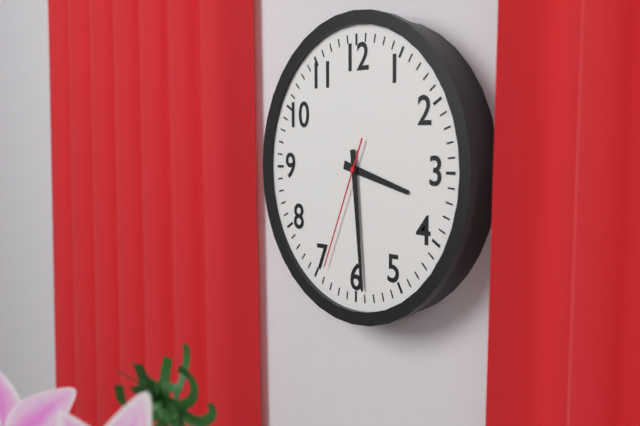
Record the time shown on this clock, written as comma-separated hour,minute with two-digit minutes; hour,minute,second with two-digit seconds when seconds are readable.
3,29,34
